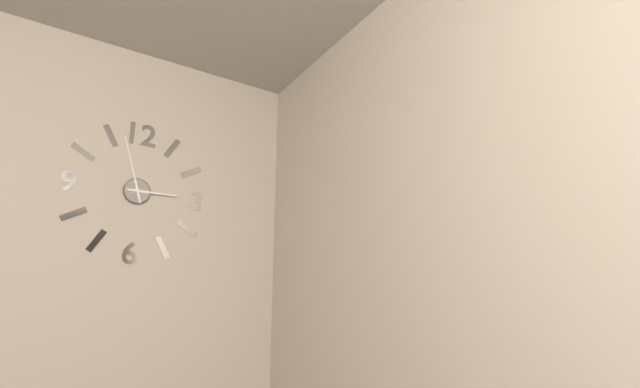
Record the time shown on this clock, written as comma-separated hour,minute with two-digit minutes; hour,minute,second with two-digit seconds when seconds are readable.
2,57
